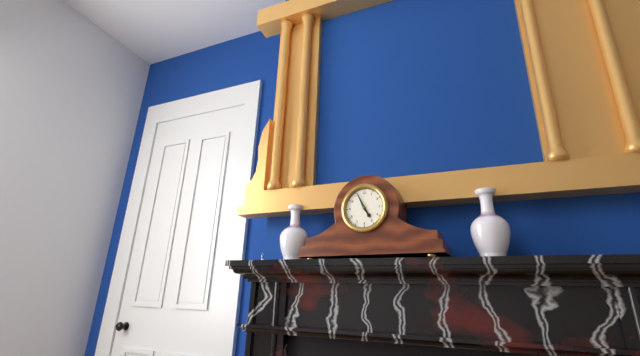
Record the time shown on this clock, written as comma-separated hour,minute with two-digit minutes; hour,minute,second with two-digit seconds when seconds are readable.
4,56
